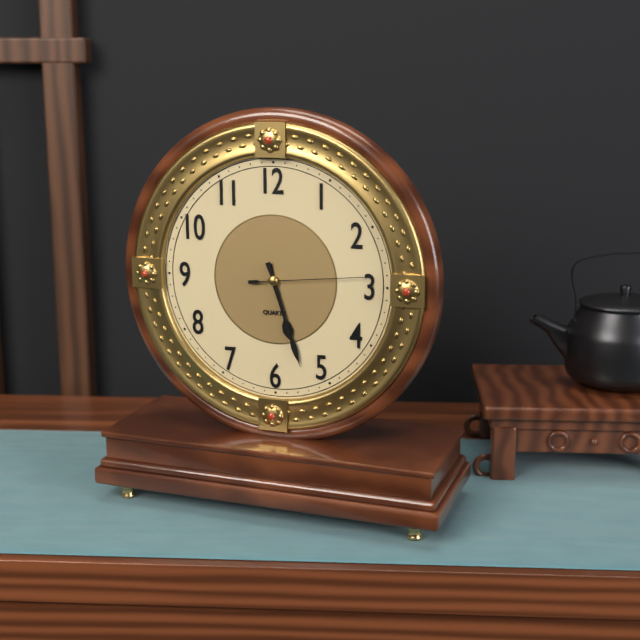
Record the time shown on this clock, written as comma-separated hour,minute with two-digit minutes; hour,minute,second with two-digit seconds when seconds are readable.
5,27,14
